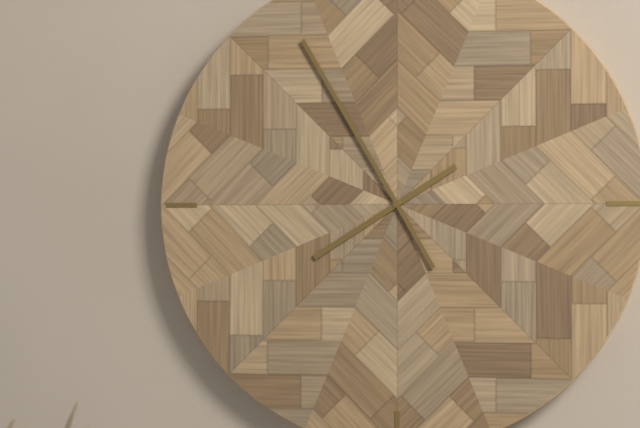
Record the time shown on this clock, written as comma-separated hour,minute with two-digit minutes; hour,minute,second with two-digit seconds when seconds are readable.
7,55
